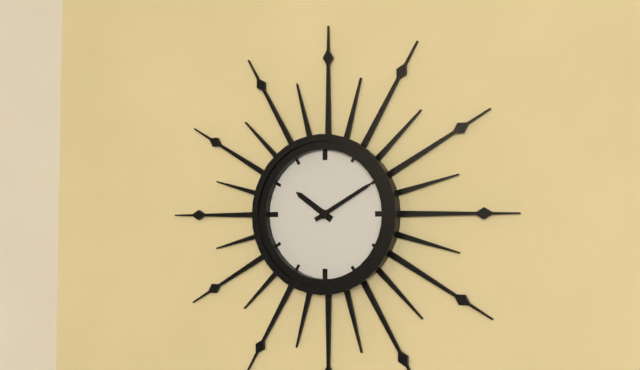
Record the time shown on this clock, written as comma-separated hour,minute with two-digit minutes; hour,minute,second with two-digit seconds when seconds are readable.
10,10
